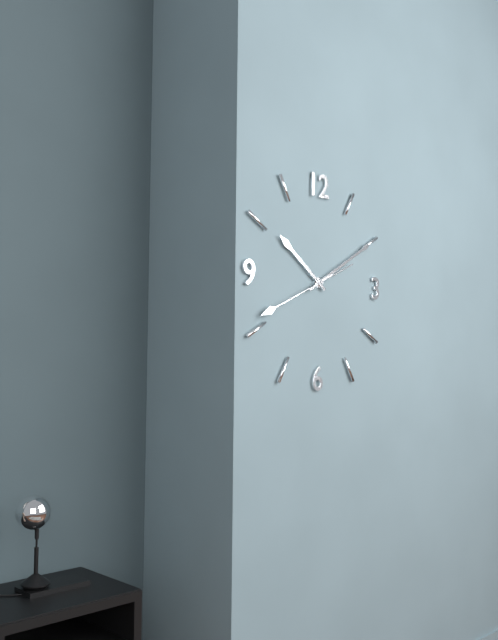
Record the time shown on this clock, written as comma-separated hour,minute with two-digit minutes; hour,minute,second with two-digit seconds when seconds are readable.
10,10,41
